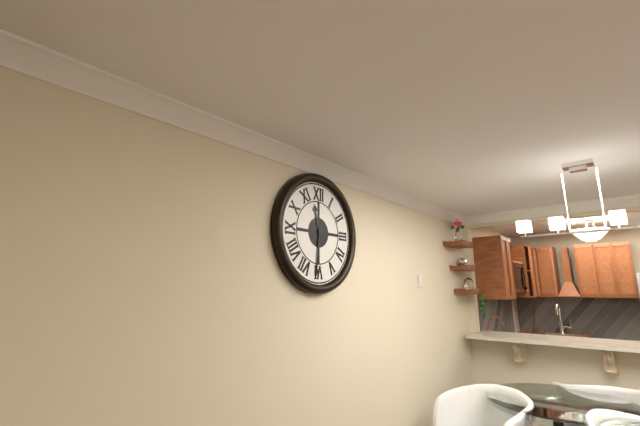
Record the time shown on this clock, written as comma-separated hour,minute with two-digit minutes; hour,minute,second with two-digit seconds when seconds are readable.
11,31
